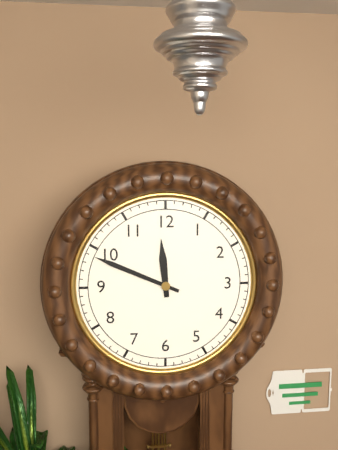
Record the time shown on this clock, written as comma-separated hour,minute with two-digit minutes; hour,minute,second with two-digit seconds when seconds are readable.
11,49
